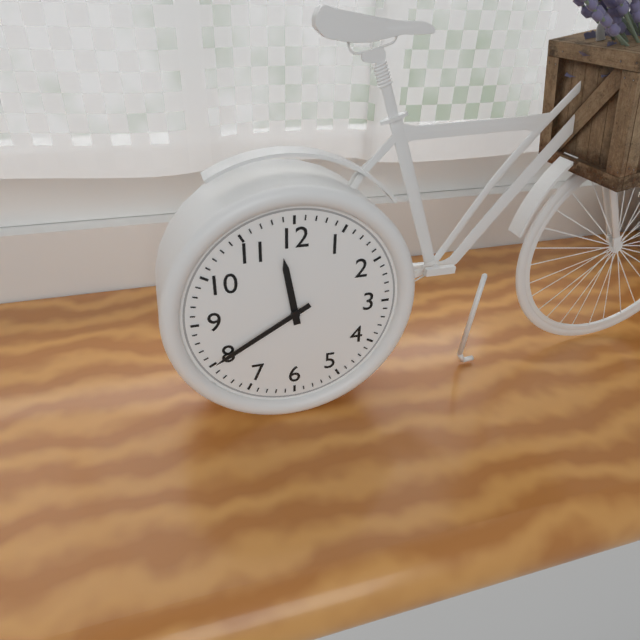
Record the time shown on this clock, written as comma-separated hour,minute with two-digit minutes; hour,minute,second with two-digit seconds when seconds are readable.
11,40
